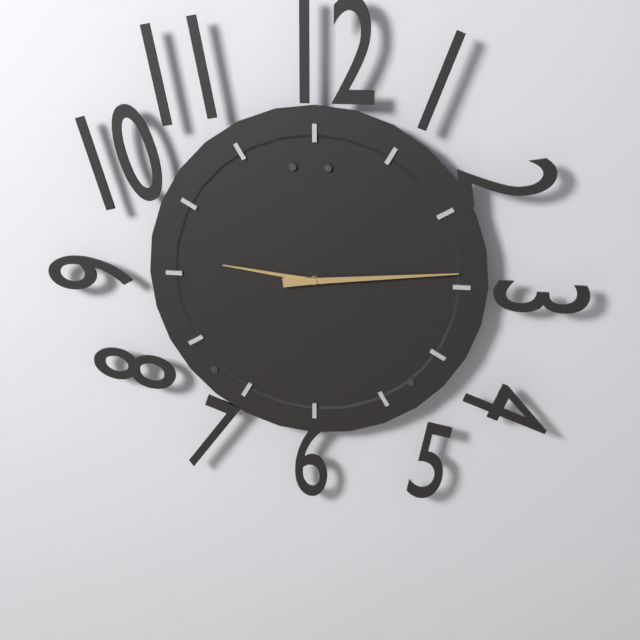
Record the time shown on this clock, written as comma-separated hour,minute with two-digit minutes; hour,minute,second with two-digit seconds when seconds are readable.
9,14
